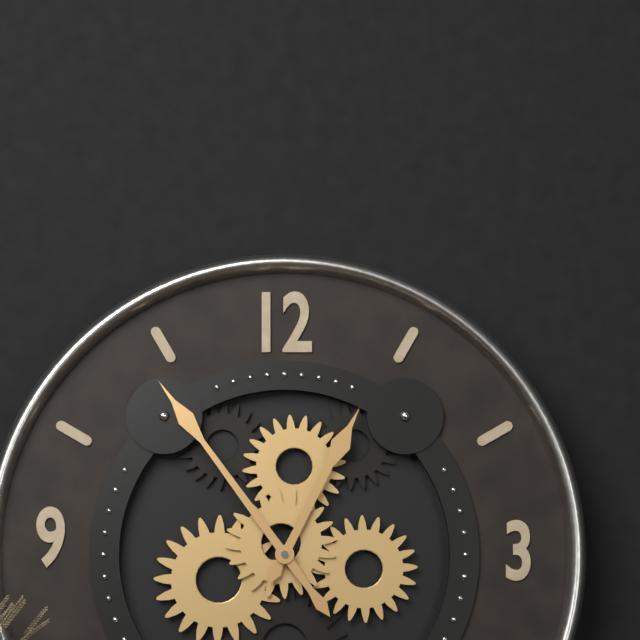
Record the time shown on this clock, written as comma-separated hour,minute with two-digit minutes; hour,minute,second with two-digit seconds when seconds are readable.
12,54
